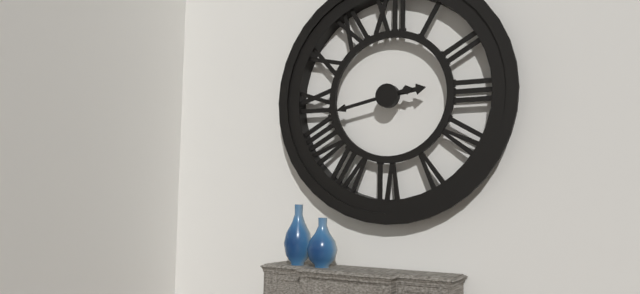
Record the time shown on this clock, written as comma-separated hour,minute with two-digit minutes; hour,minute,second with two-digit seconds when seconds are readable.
2,43
